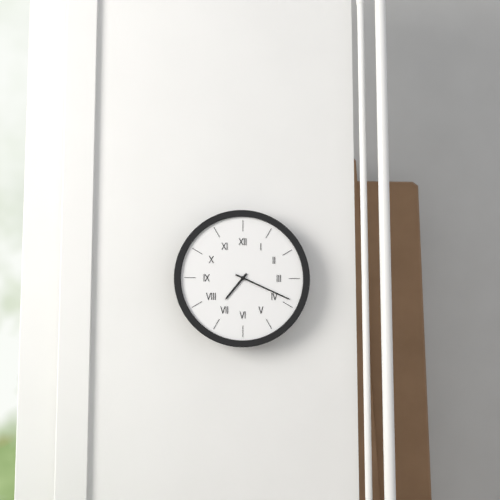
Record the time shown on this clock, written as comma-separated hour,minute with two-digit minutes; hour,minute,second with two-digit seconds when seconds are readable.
7,19
